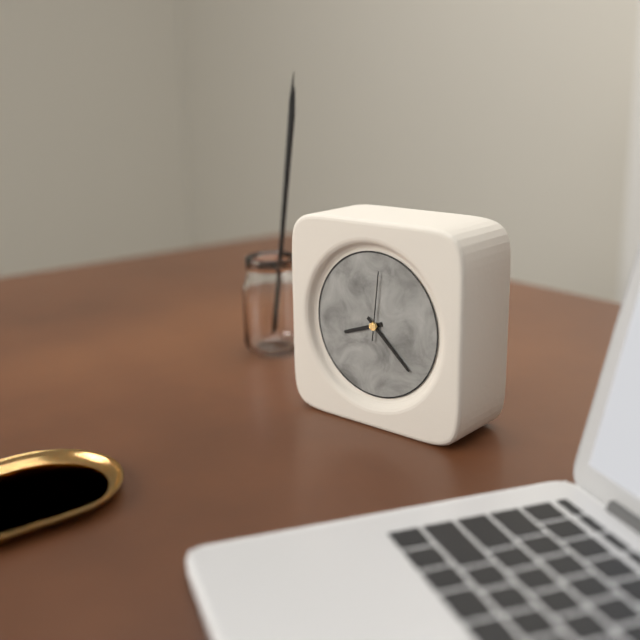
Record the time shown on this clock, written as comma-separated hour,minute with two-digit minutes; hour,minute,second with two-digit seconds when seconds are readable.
8,22,01
